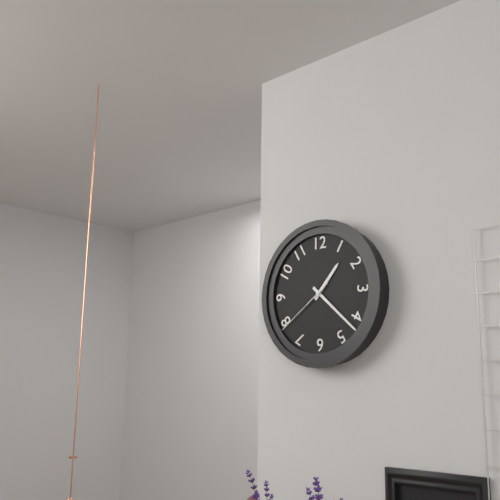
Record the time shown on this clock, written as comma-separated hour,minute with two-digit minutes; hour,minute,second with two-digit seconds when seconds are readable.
1,22,39
